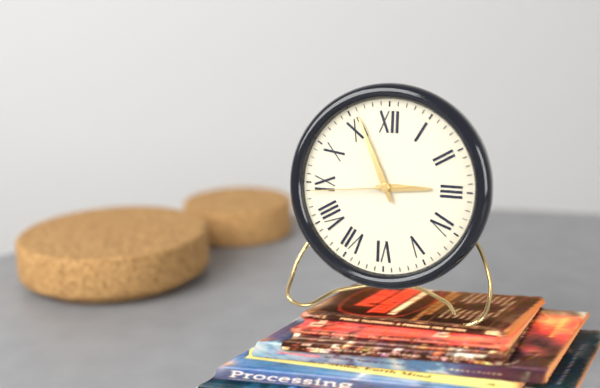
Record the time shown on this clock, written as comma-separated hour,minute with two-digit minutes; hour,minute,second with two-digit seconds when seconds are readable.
2,56,44
